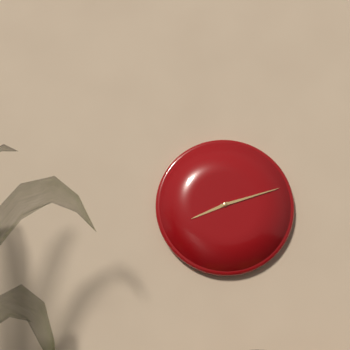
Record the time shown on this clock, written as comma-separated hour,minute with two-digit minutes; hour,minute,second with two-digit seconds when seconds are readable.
8,12
